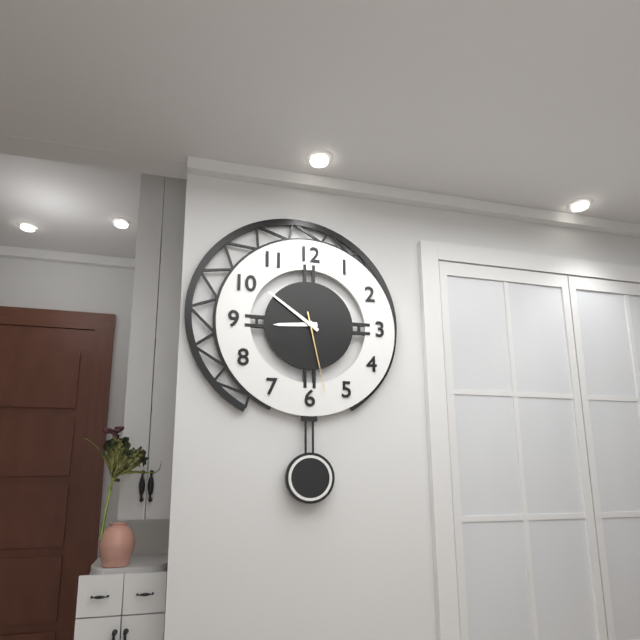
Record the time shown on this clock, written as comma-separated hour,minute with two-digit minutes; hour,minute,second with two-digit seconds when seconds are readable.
8,51,28
